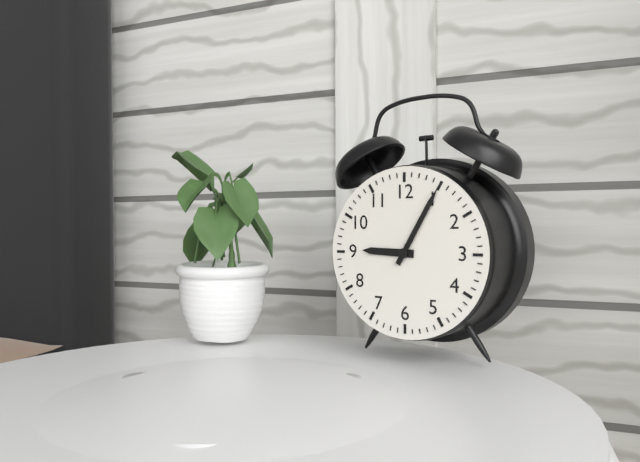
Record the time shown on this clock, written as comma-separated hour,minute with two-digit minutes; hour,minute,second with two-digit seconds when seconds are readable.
9,05
